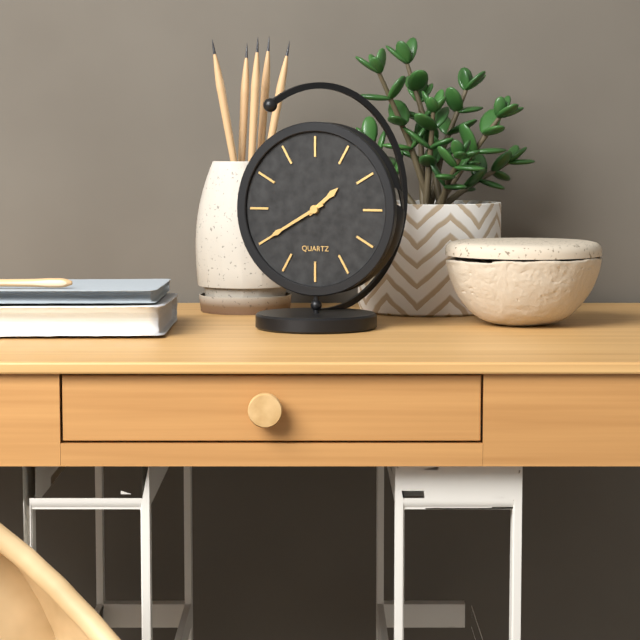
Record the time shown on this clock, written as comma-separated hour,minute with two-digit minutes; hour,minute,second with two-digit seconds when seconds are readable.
1,40
